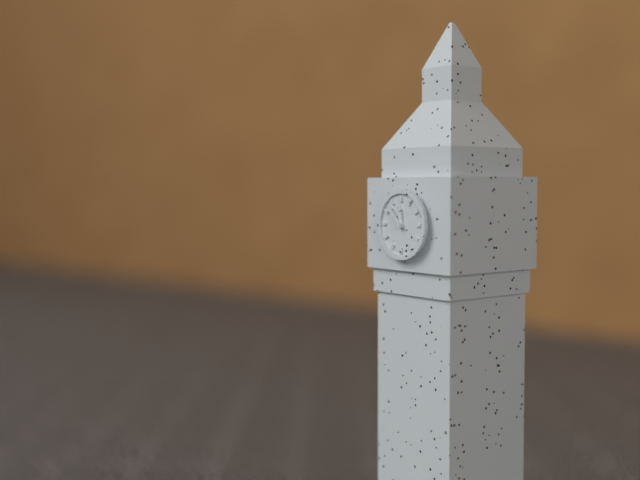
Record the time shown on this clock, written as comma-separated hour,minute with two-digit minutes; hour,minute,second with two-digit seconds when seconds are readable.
11,53
